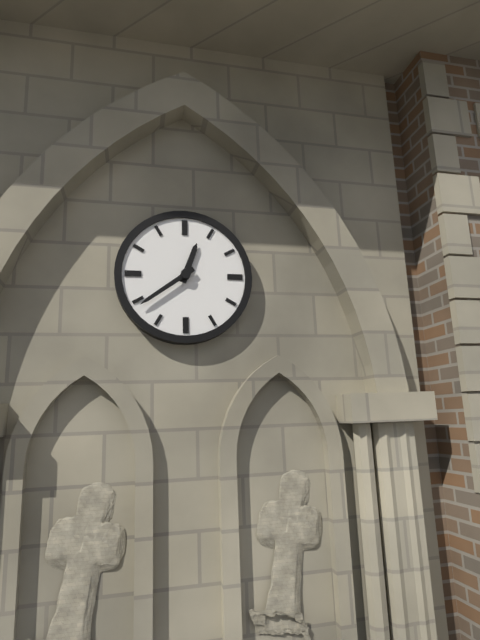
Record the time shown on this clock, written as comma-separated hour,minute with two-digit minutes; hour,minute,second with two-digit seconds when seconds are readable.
12,39
